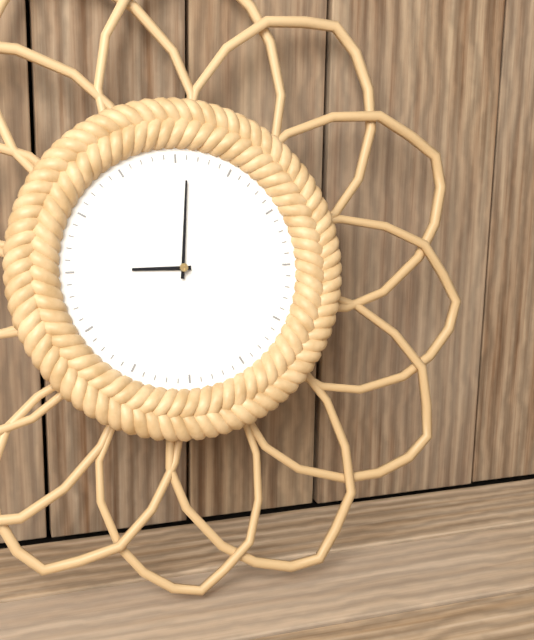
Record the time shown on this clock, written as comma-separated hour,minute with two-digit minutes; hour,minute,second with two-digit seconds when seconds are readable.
9,01
